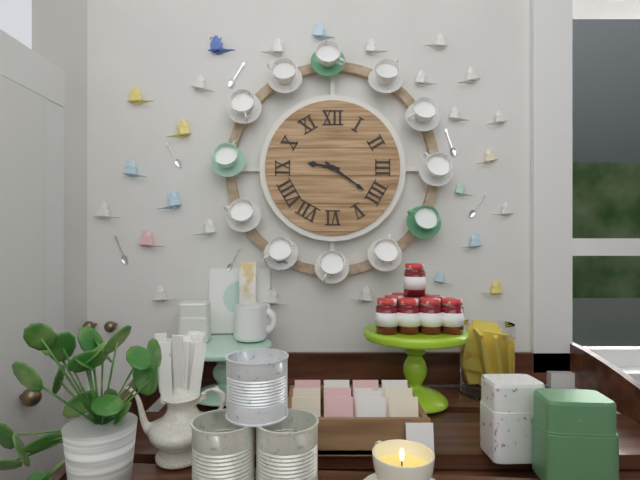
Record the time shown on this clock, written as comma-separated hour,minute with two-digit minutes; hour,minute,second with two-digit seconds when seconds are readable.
9,21
